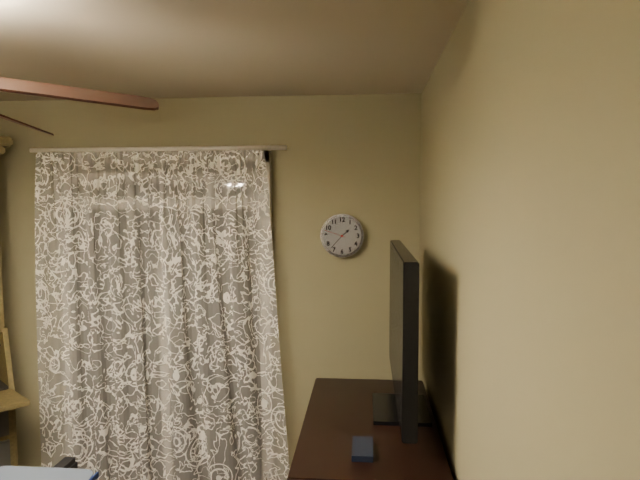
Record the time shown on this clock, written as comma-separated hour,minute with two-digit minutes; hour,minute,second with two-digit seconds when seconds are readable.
1,37
